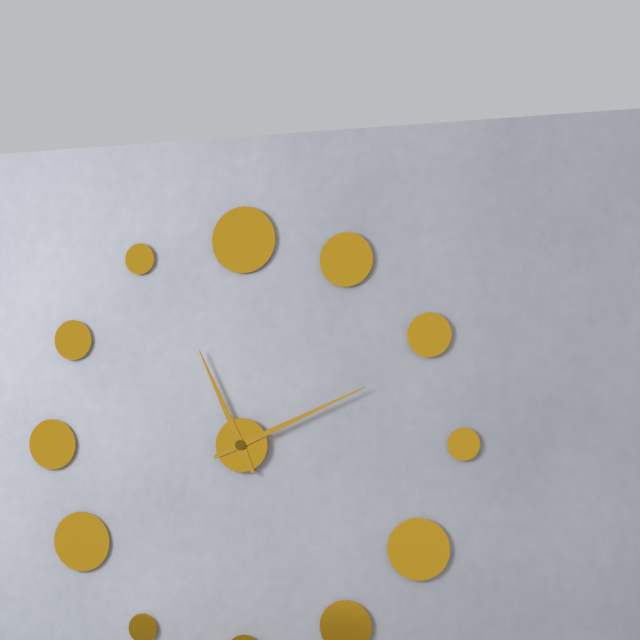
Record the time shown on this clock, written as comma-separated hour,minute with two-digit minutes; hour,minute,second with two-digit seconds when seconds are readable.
11,11
